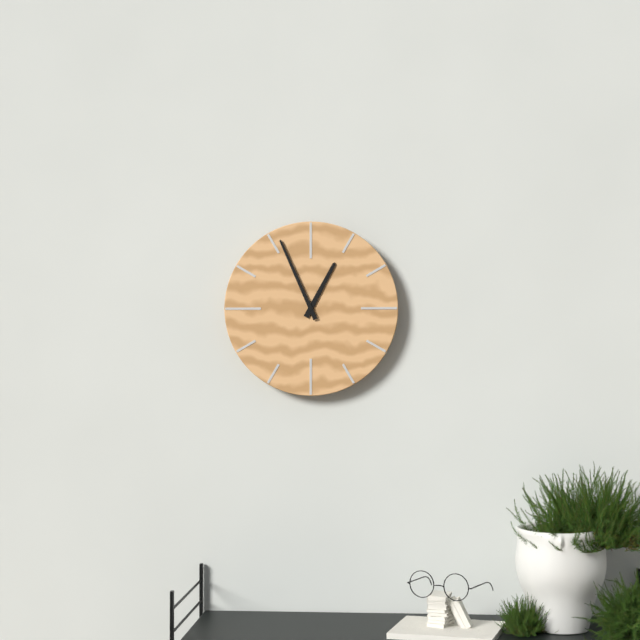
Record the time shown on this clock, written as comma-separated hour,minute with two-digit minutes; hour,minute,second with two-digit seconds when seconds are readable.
12,56
